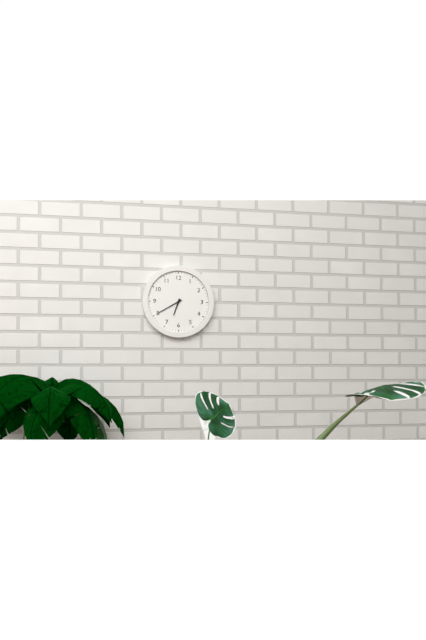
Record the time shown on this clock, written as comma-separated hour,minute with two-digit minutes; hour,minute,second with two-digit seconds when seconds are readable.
6,40
